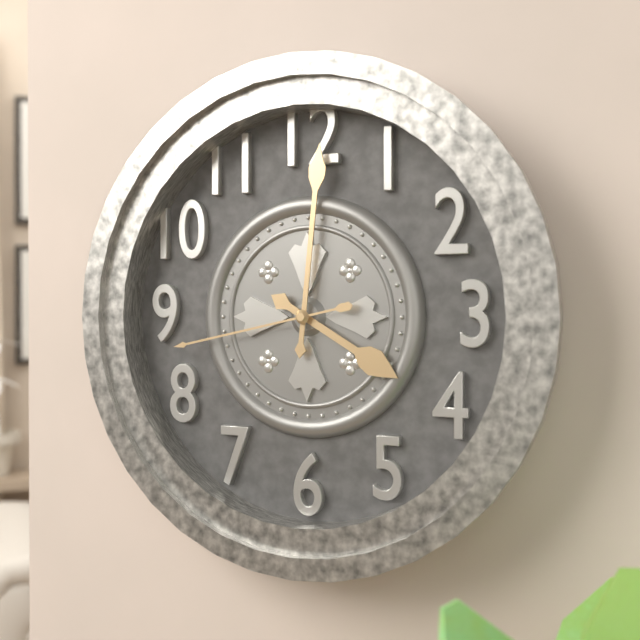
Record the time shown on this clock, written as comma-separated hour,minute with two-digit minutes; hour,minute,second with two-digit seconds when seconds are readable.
4,01,43
